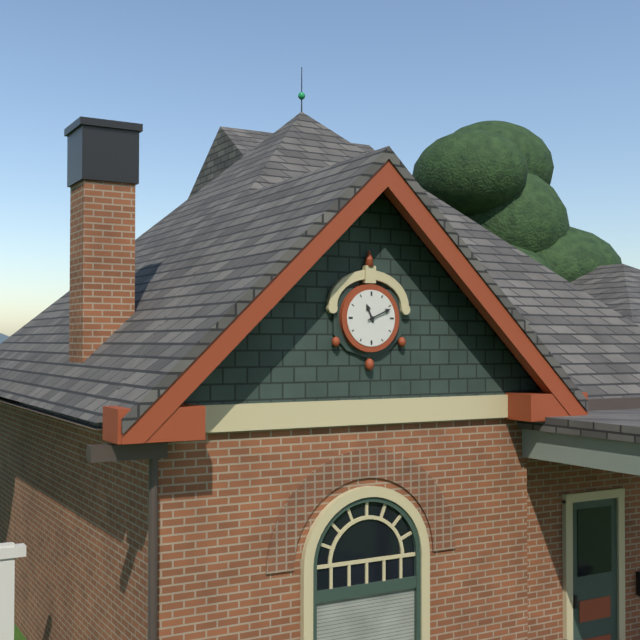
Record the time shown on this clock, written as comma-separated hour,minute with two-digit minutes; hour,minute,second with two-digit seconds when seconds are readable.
11,11
